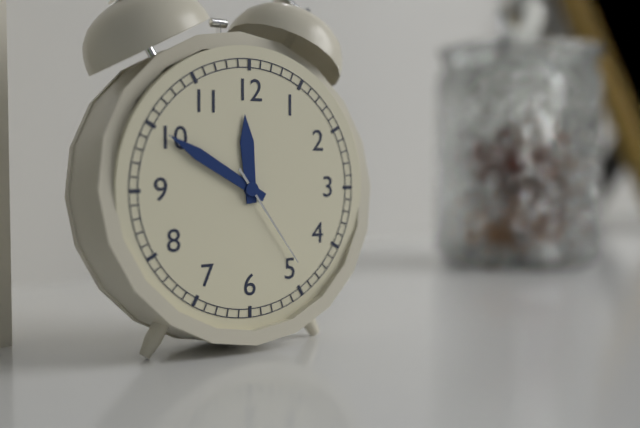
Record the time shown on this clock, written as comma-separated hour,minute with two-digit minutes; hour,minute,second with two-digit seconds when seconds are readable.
11,50,24
